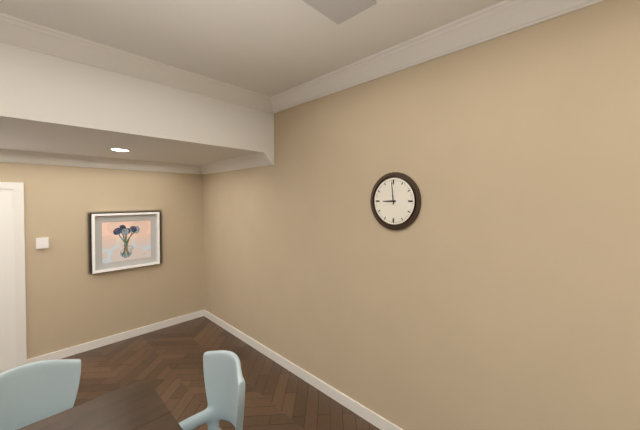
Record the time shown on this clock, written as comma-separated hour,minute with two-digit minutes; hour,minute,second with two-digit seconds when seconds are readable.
8,59
